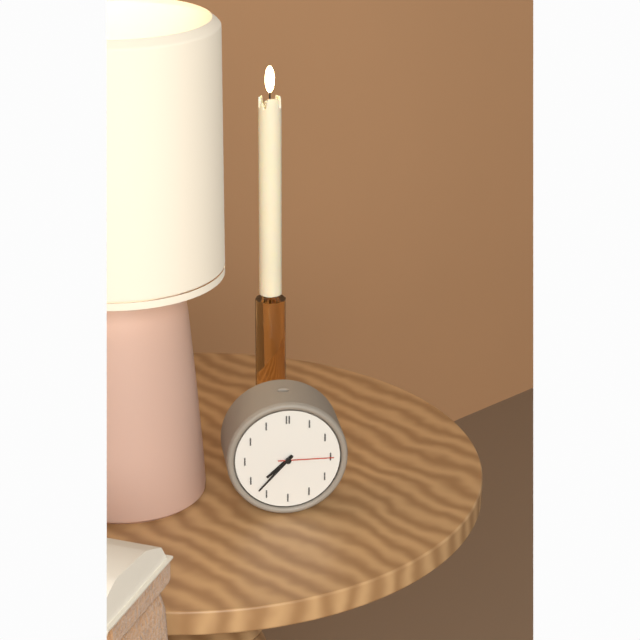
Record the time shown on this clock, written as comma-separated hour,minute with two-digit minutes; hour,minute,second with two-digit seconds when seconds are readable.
7,37,15
